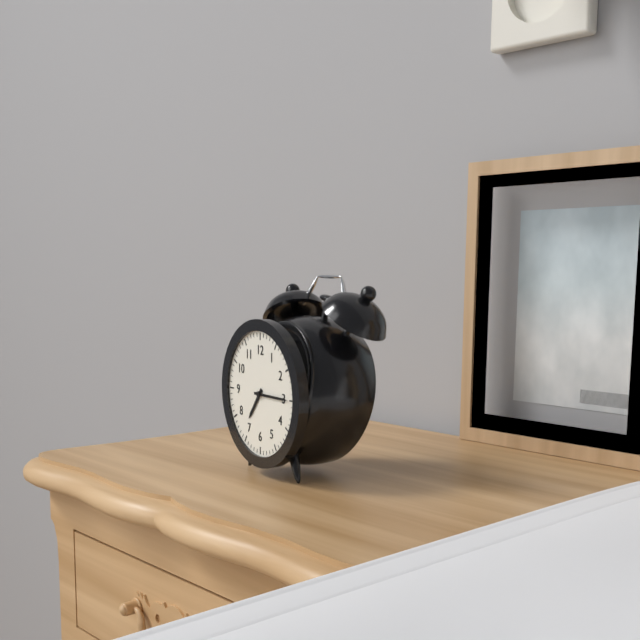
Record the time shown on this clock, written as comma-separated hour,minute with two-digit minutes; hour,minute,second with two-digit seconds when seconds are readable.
7,15
